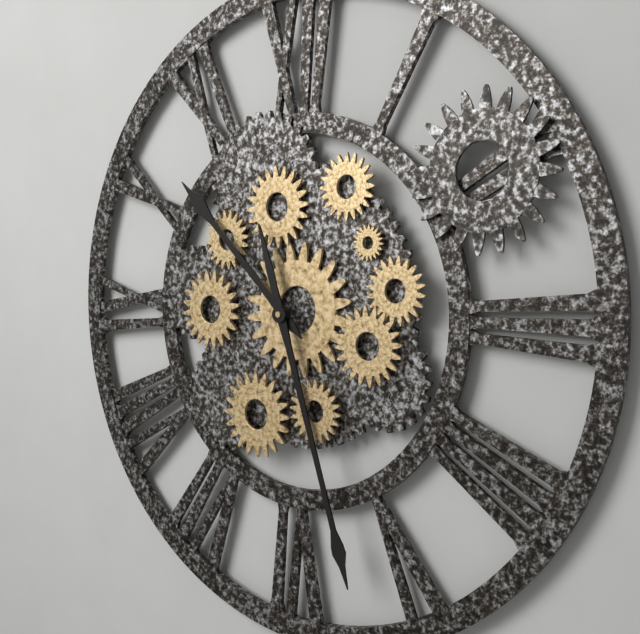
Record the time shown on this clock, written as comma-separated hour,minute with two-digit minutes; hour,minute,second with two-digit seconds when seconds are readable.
10,27
